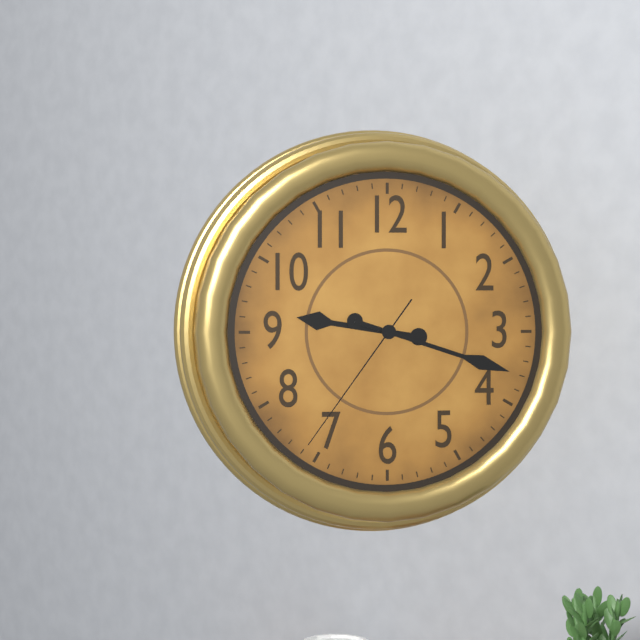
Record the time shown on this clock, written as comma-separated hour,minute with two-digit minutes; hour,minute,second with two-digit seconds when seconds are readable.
9,18,36
